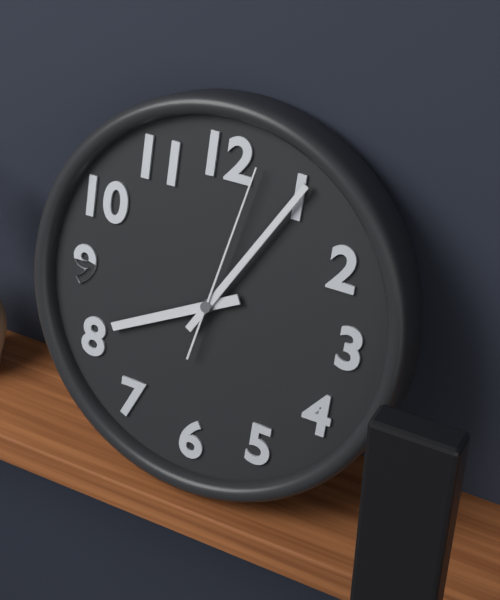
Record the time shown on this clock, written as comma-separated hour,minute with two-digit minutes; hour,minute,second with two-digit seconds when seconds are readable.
8,05,02
